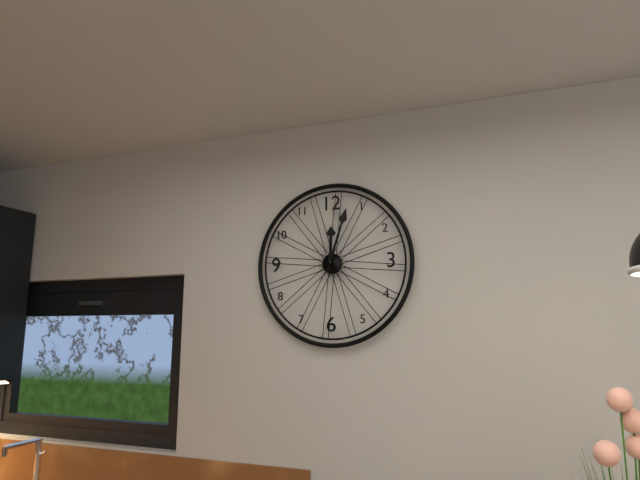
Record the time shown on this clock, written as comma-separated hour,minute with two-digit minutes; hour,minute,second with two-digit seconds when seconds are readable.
12,03
